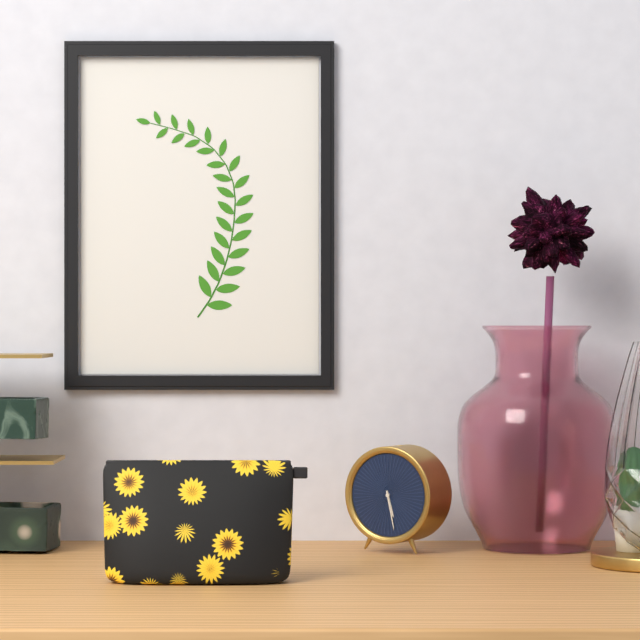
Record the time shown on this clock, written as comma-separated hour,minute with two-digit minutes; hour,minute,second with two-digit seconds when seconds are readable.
5,28
